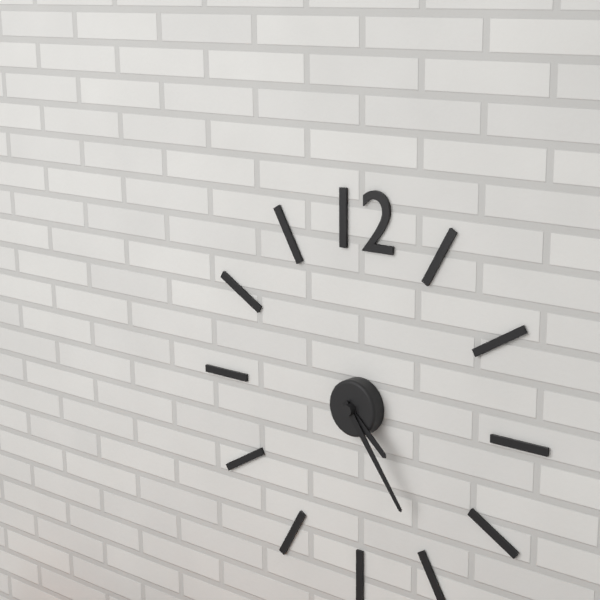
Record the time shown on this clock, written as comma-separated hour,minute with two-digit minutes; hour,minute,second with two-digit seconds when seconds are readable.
4,24
